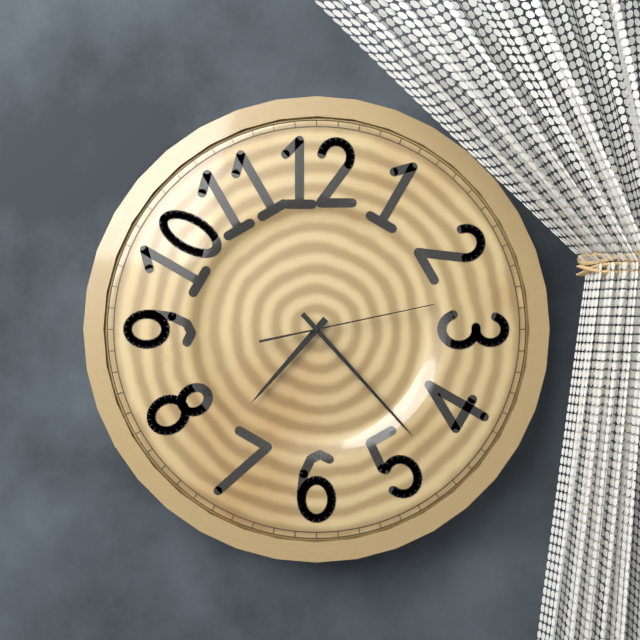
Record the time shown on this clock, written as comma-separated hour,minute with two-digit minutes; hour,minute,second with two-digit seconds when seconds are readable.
7,23,13
